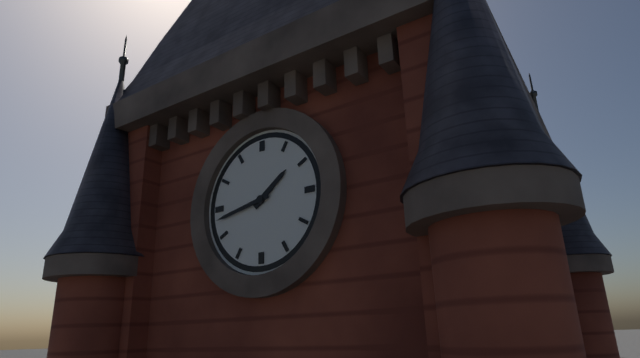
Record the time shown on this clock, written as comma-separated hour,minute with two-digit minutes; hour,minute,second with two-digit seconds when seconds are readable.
1,43
